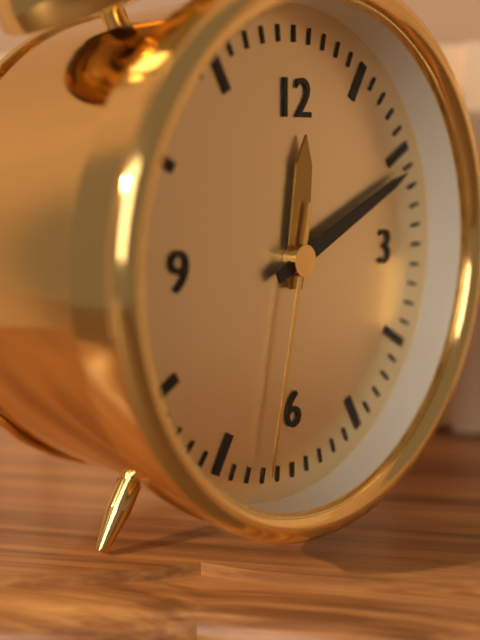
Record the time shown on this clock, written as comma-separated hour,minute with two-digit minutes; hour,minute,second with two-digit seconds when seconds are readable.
12,11,32
